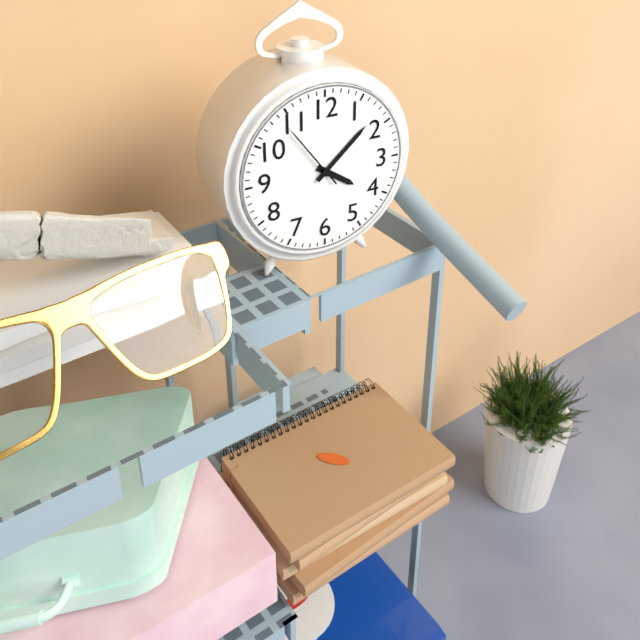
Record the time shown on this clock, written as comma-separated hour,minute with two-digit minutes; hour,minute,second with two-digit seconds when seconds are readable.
4,08,54
